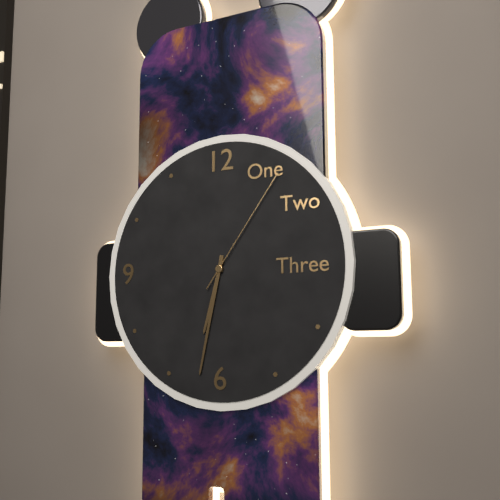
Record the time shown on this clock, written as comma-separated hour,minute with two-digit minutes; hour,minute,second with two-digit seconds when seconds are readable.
6,32,06
